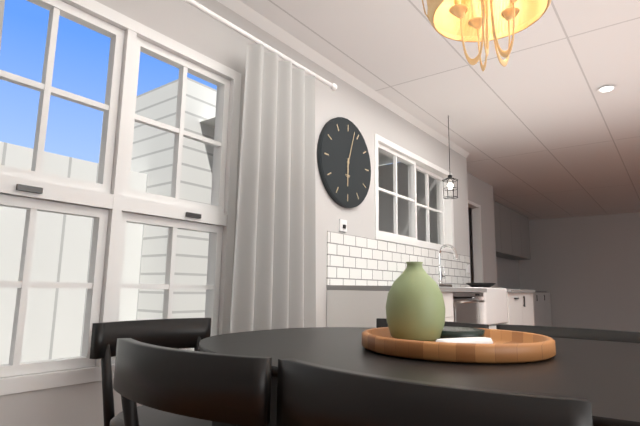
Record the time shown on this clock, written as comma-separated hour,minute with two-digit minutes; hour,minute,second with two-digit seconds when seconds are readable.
6,03
